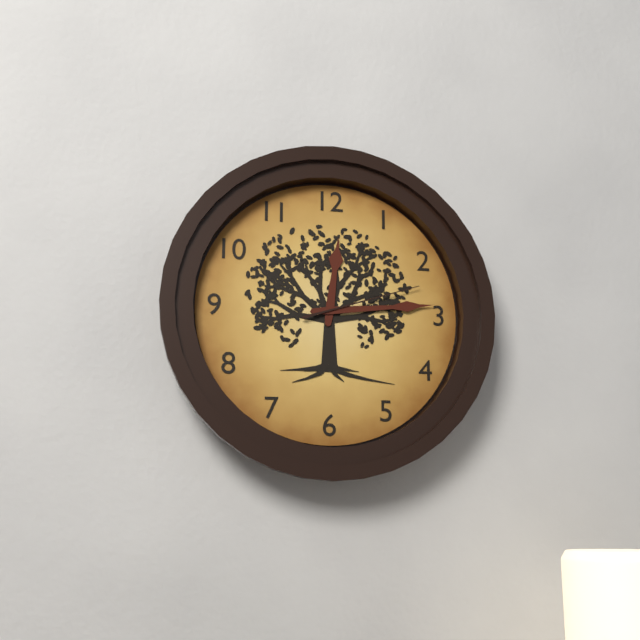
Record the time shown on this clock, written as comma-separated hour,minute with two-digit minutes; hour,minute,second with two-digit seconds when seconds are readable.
12,14,12
